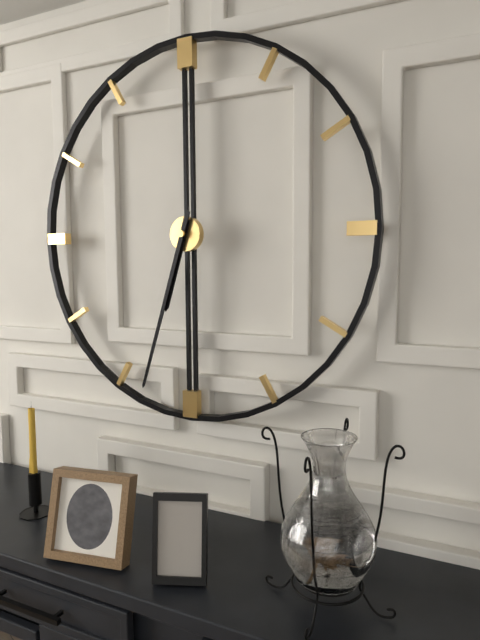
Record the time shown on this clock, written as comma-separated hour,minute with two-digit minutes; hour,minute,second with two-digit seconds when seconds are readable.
6,33
